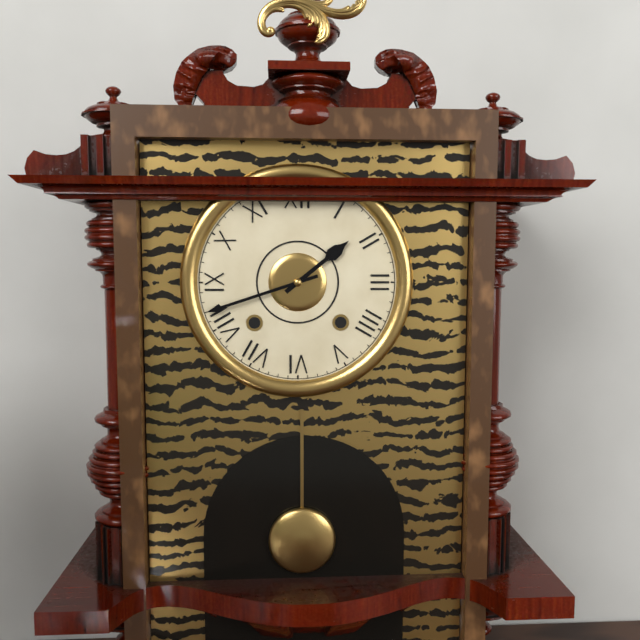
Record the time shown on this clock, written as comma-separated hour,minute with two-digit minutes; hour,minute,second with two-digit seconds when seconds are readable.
1,42
